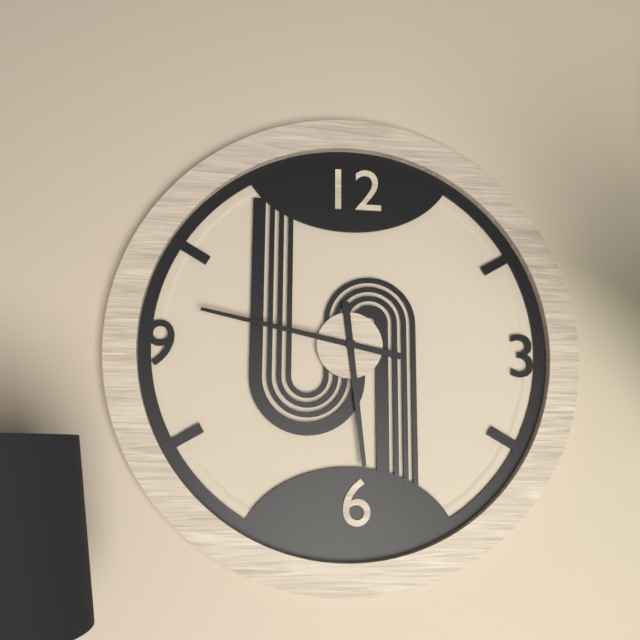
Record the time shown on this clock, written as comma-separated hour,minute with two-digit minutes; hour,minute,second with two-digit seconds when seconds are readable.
5,47
